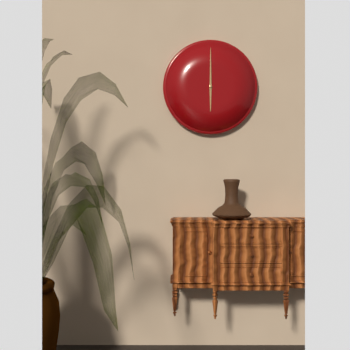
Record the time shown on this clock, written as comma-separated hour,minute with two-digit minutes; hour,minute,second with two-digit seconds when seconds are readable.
6,00
